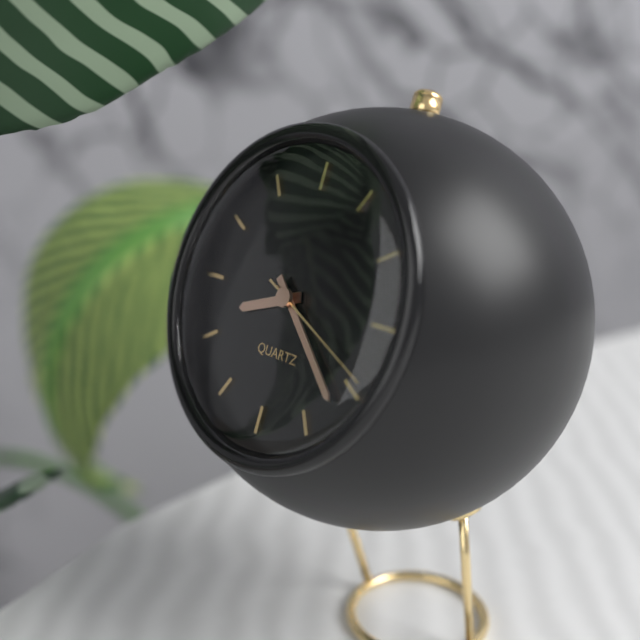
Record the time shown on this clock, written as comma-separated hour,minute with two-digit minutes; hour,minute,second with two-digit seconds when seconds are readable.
8,22,19
